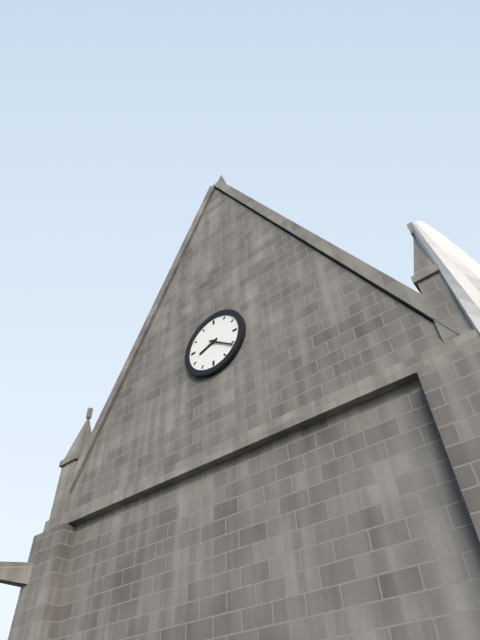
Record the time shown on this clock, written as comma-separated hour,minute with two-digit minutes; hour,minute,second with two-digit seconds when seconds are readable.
8,21
